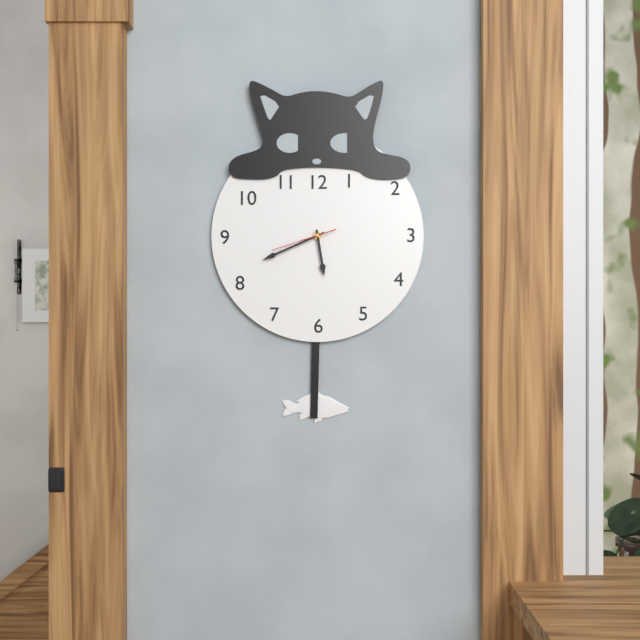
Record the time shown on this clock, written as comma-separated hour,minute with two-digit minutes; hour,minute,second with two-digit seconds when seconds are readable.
5,41,42
